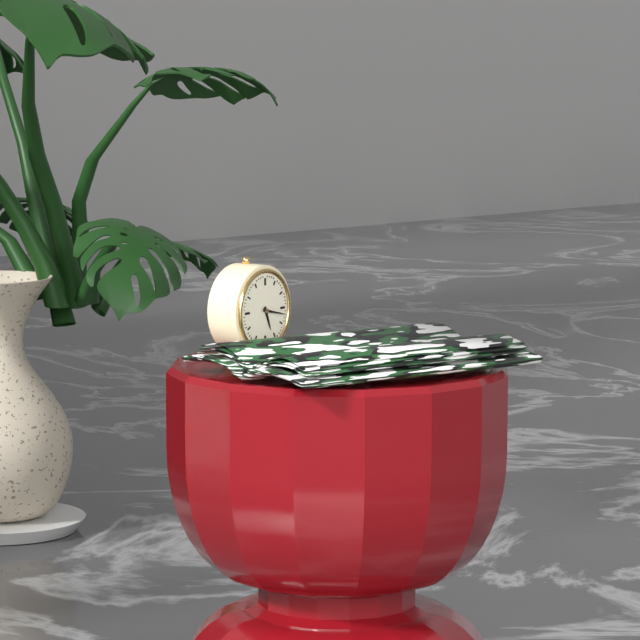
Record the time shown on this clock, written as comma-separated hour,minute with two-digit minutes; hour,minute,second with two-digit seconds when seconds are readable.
5,17
